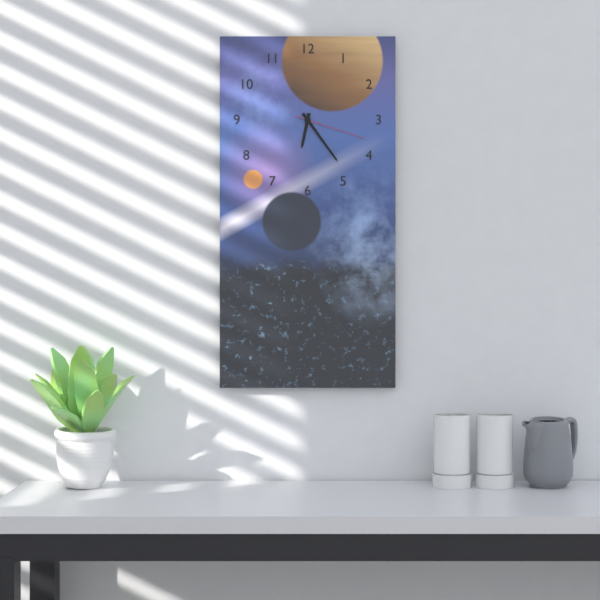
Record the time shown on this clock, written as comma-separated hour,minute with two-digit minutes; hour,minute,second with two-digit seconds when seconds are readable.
6,24,18
